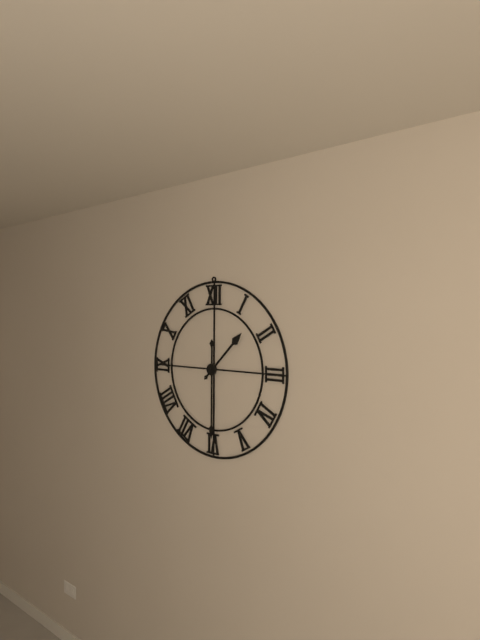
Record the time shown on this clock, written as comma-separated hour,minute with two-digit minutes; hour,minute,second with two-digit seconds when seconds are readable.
1,30
